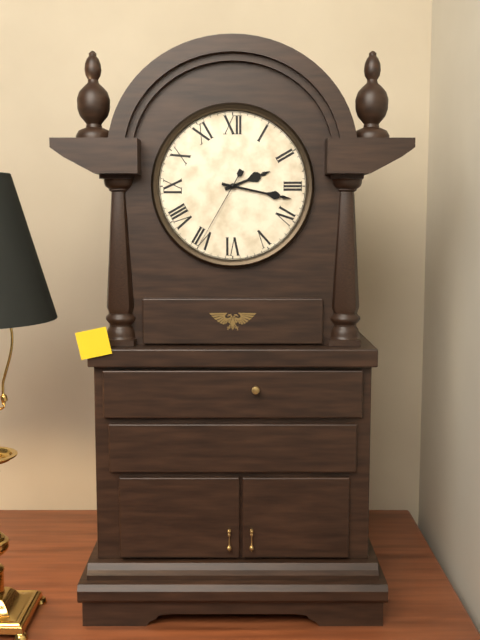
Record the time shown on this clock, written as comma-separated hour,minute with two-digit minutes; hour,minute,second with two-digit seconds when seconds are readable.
2,17,35
